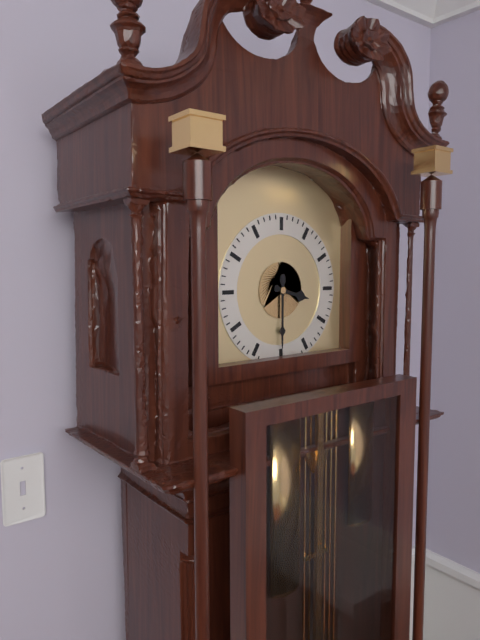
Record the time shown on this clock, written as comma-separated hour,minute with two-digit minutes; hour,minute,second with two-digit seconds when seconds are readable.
3,30
